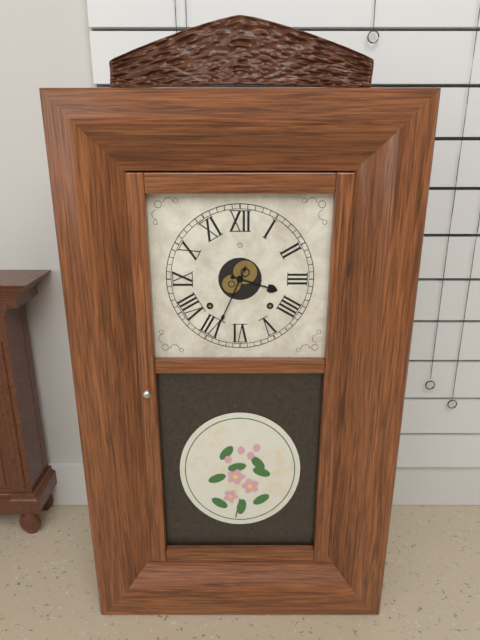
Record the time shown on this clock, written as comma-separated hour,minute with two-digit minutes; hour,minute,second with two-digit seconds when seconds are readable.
3,34
